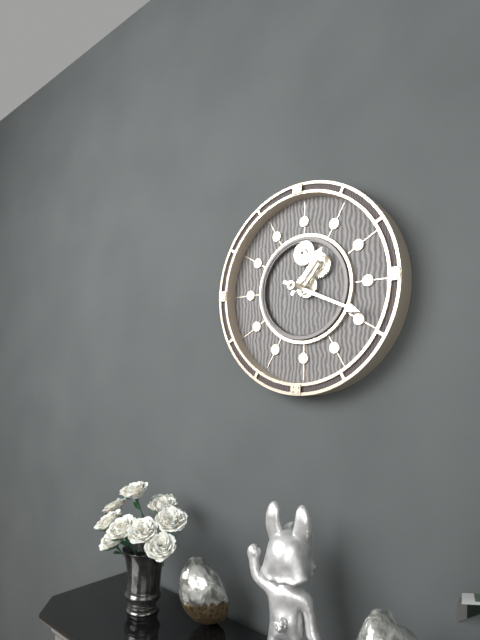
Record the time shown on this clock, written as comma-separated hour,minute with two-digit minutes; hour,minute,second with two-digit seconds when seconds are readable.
1,19
